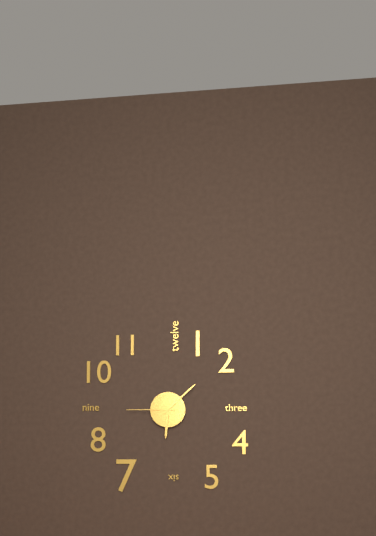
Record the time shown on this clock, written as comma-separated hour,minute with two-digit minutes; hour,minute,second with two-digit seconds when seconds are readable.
6,08,45
